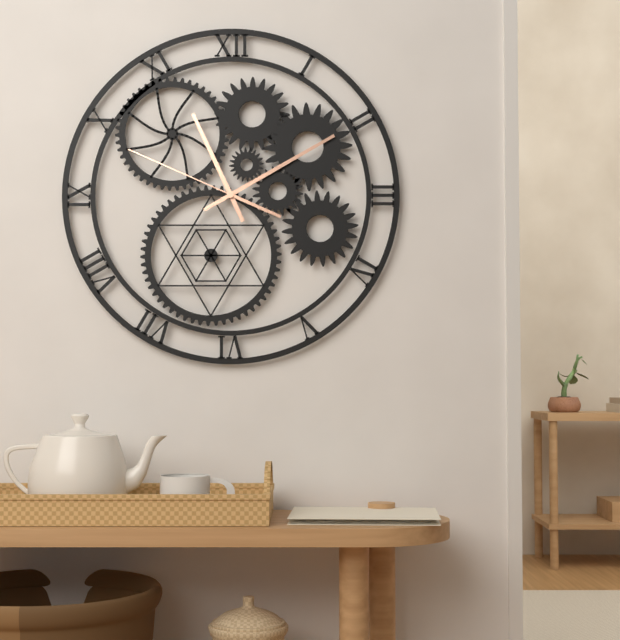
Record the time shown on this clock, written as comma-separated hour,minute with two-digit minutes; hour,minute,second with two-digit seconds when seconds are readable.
11,10,49
